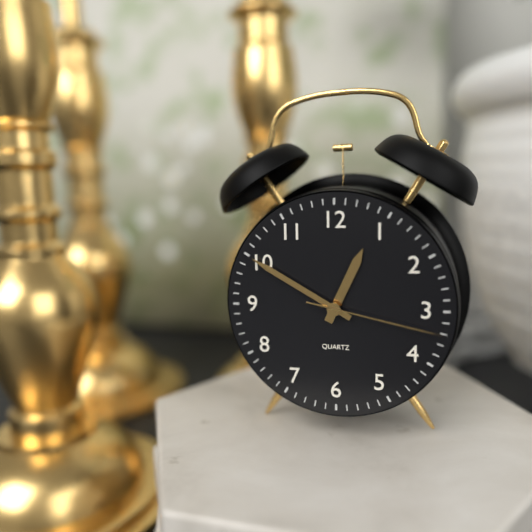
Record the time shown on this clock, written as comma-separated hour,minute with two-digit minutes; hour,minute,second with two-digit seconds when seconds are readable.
12,50,17
